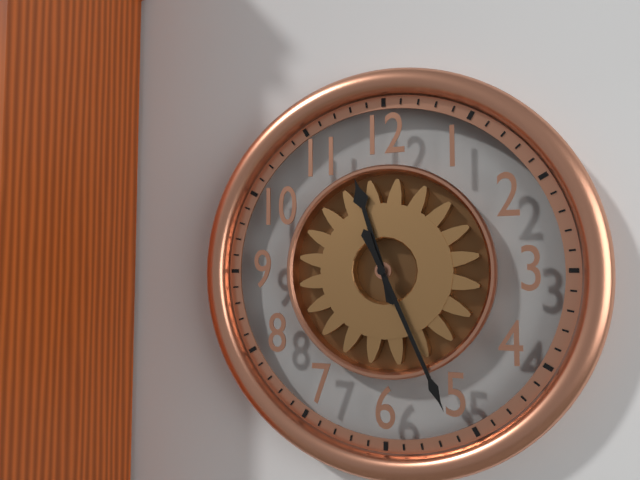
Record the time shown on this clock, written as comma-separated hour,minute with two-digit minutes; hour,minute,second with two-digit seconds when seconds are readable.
11,26
